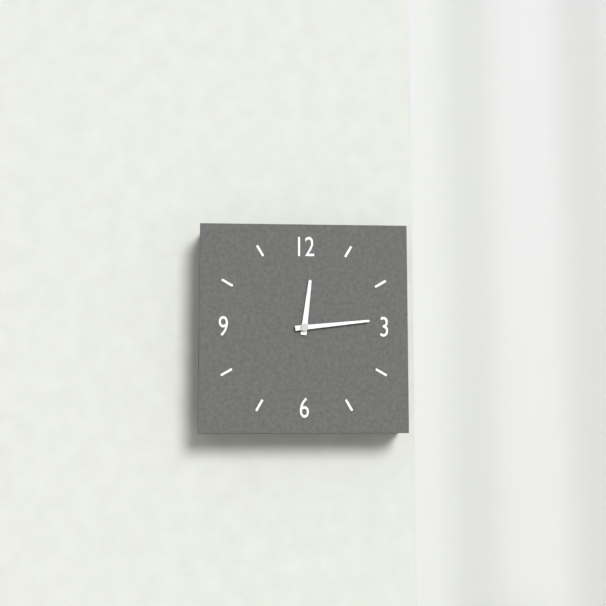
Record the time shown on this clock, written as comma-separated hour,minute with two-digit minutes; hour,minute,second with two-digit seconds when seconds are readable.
12,14
